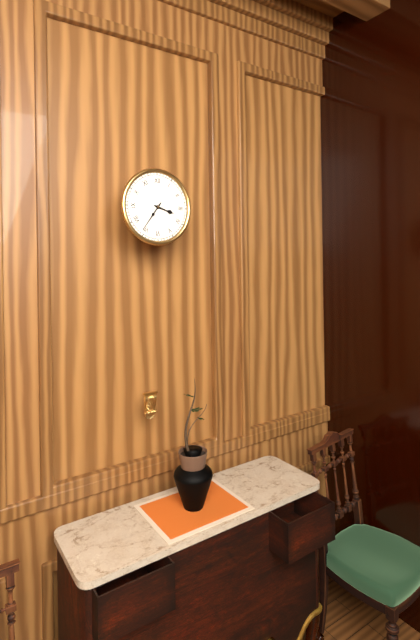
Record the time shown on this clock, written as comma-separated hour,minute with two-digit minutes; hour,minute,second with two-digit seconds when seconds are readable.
3,36
